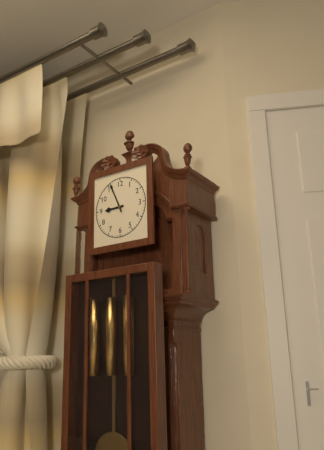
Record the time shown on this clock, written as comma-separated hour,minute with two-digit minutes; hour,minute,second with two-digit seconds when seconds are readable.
8,56
